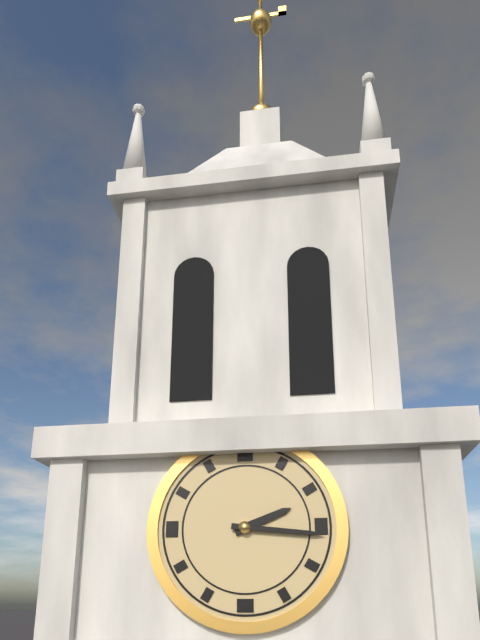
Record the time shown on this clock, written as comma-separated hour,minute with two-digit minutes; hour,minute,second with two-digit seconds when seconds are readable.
2,16
